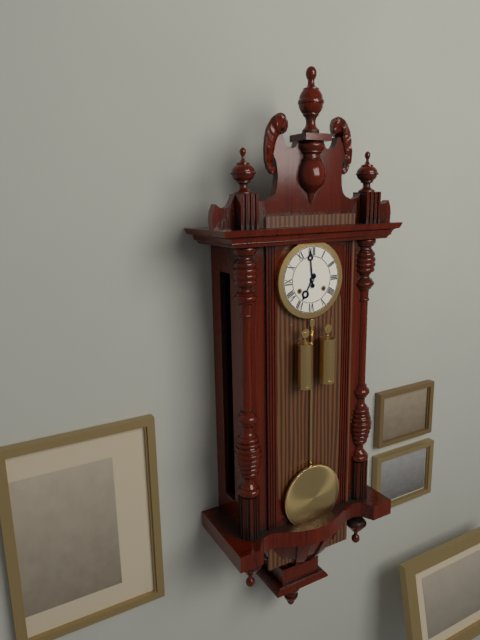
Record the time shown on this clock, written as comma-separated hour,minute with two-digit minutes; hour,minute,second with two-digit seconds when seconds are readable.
6,59
